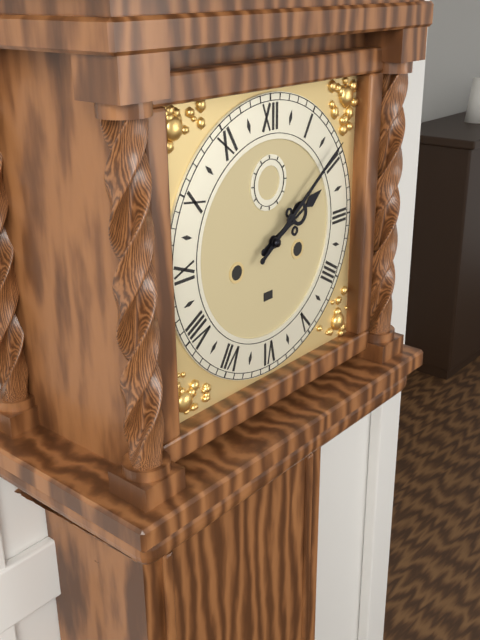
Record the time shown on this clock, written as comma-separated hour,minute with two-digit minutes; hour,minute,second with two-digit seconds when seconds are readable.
2,09
